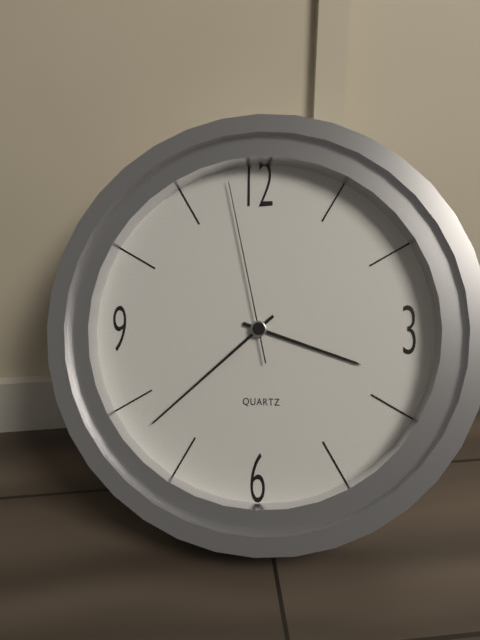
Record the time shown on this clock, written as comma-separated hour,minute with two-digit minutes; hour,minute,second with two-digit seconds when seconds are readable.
3,38,58
